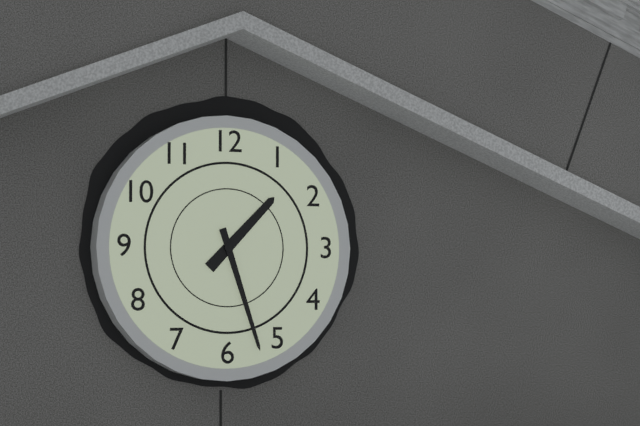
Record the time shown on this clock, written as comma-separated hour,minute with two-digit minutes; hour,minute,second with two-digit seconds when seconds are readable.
1,27
